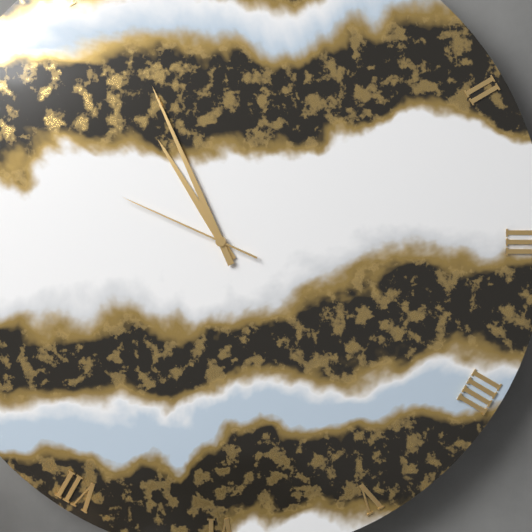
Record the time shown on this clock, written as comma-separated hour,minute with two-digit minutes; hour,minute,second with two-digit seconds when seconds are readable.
10,56,49
